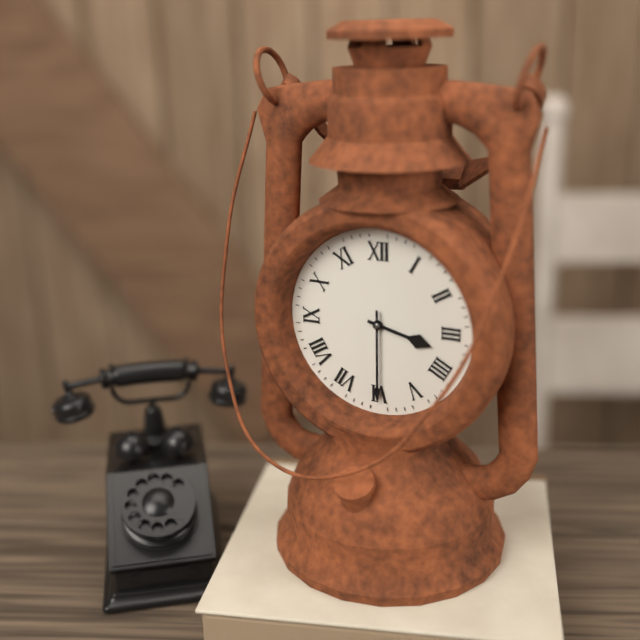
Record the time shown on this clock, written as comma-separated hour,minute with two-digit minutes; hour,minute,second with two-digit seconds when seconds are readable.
3,30
